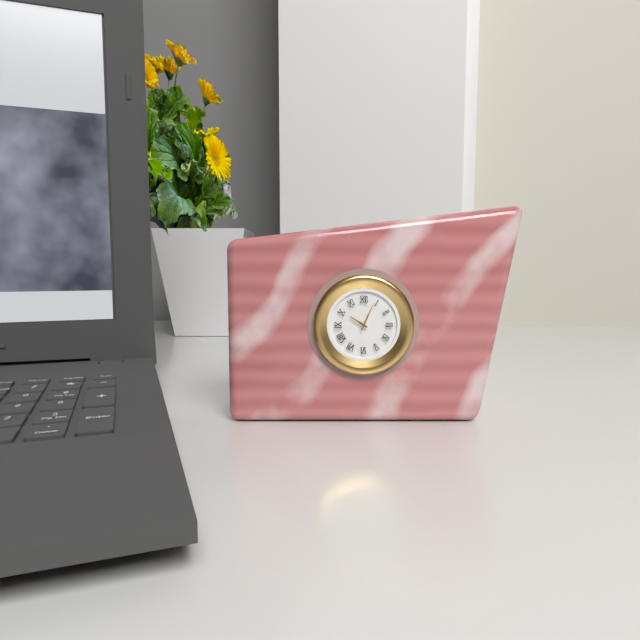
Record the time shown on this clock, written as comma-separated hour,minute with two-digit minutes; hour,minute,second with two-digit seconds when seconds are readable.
10,04
